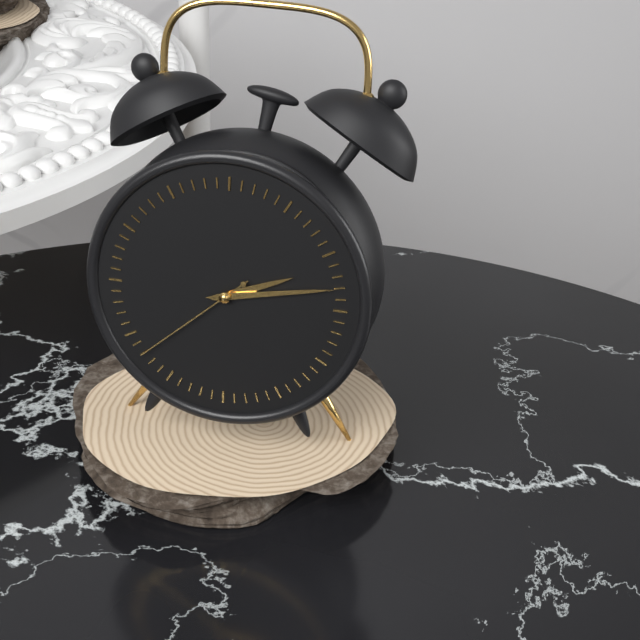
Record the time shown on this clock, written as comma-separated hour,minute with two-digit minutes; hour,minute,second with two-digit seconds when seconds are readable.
2,13,38
